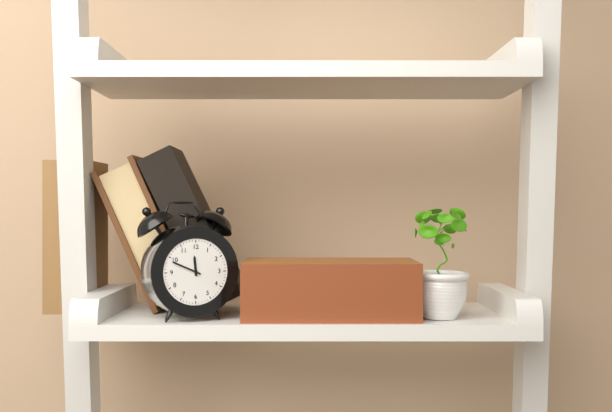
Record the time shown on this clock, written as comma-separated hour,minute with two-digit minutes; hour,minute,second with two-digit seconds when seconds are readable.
11,49
